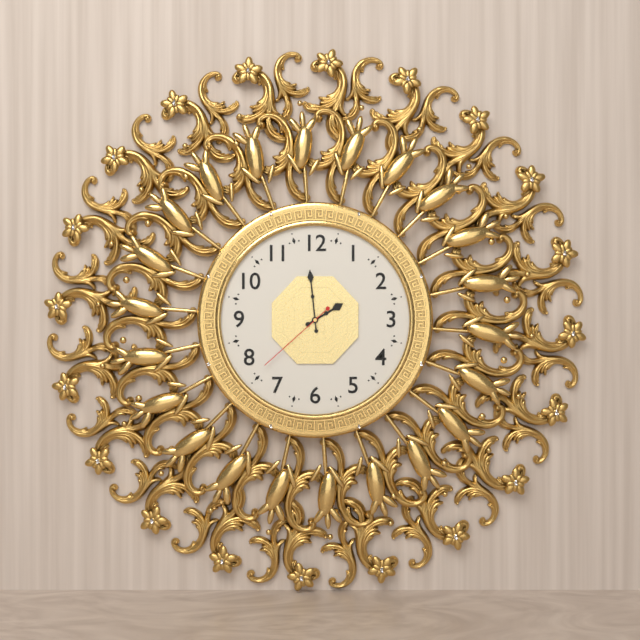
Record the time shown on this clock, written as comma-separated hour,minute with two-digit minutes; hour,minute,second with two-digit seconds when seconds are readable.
1,59,38
